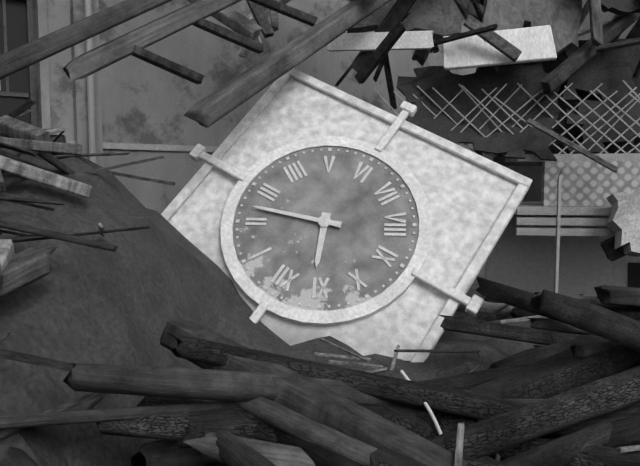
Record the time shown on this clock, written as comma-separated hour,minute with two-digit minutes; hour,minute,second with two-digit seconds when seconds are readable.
11,12
